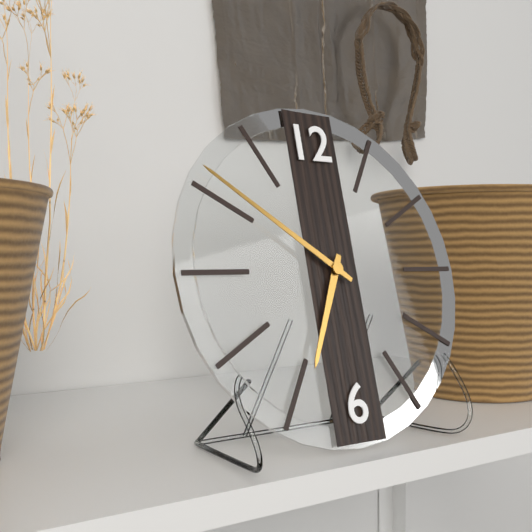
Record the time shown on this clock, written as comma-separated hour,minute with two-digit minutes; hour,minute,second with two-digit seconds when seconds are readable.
6,51
